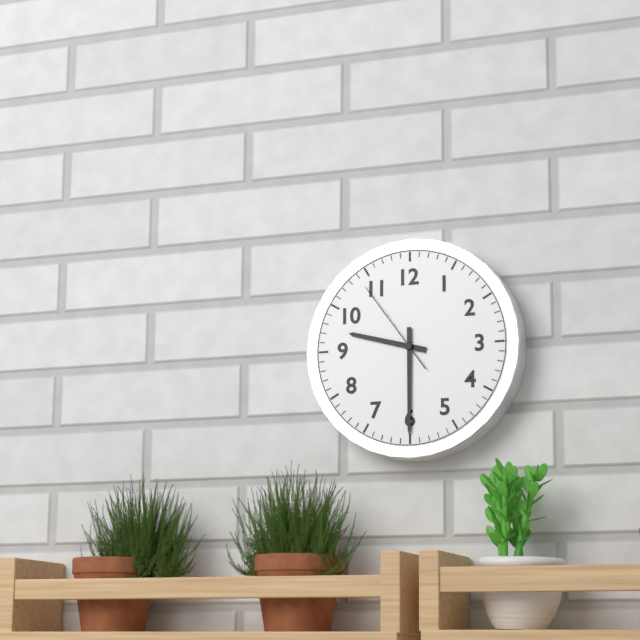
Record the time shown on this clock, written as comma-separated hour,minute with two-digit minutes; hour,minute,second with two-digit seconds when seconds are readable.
9,30,54
